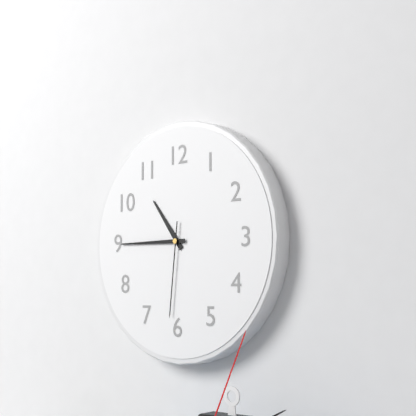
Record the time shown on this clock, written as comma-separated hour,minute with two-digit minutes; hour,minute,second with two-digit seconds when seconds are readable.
10,45,31
